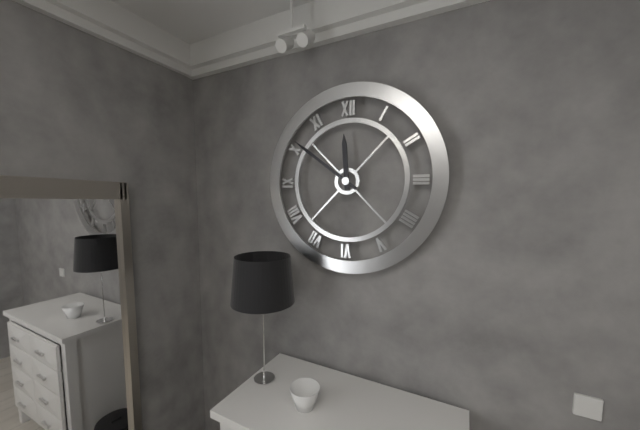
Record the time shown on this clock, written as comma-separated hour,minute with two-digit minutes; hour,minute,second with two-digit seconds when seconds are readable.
11,51
